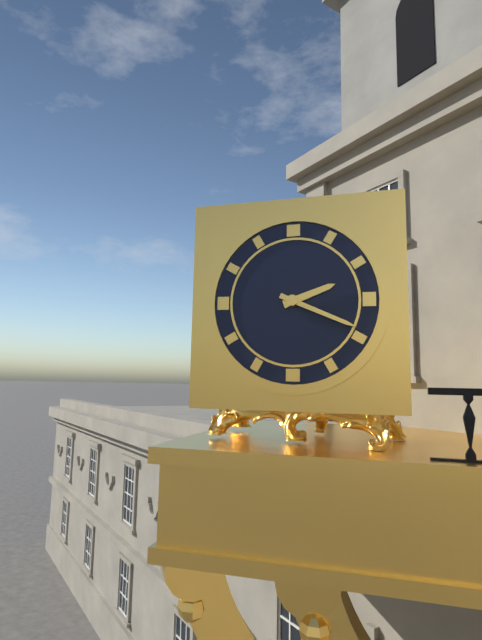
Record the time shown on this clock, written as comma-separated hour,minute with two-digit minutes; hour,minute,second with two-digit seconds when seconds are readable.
2,19
